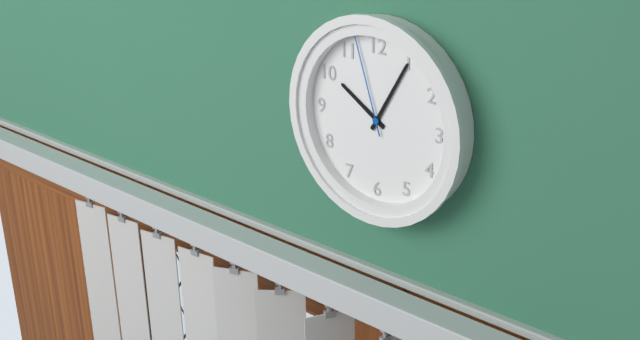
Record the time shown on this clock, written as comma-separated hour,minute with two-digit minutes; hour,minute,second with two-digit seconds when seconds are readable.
10,05,57
